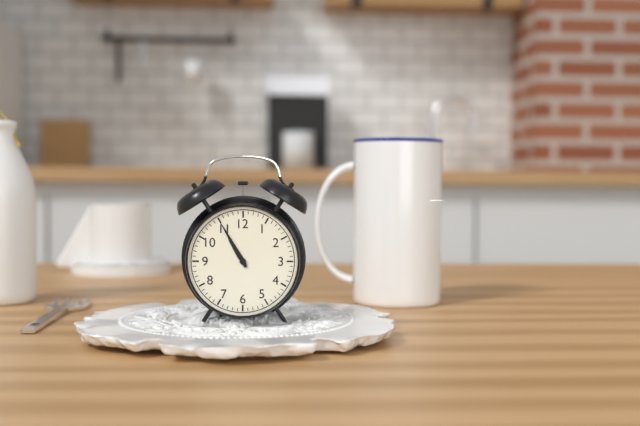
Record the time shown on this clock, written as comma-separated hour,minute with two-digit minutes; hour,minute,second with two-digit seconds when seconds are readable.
10,55
